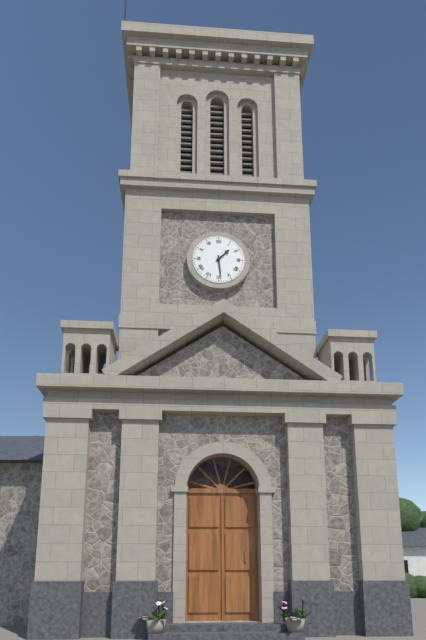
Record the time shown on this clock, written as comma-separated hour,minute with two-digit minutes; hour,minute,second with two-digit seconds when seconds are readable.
1,29
